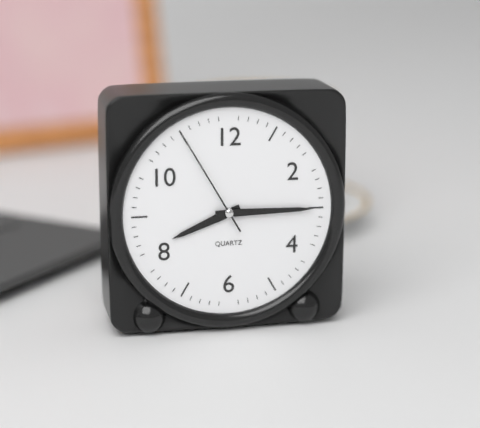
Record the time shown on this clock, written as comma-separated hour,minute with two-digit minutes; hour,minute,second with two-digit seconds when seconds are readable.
8,15,55
